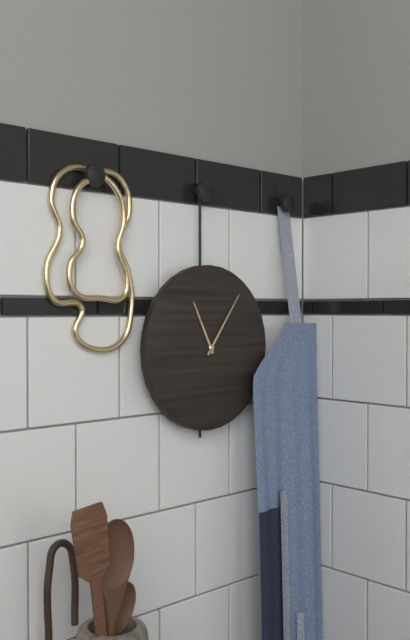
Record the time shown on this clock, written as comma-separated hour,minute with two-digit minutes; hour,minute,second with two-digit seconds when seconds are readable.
11,06
